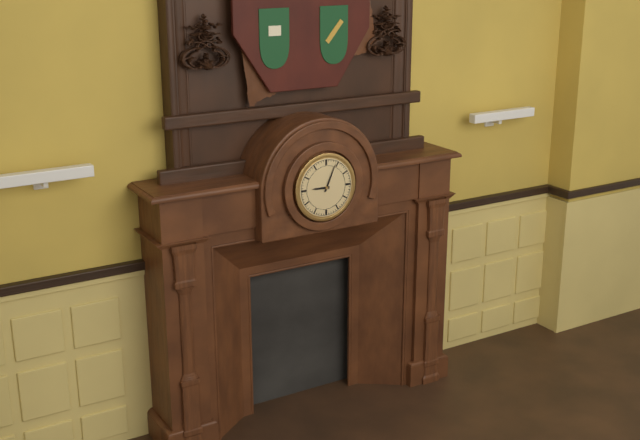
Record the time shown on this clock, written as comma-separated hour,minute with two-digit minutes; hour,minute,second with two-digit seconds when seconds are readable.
9,04
